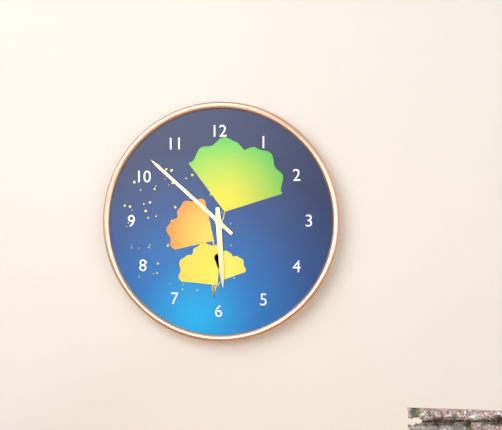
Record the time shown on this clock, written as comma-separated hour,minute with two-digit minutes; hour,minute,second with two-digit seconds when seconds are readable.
5,52
